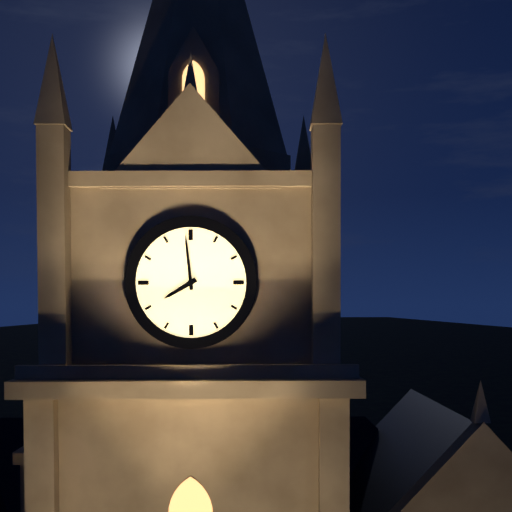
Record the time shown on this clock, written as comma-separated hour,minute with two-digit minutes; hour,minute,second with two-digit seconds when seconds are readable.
7,59
